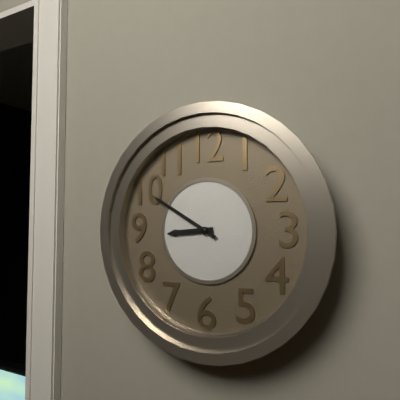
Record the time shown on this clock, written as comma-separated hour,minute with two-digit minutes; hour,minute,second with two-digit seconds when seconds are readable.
8,50
